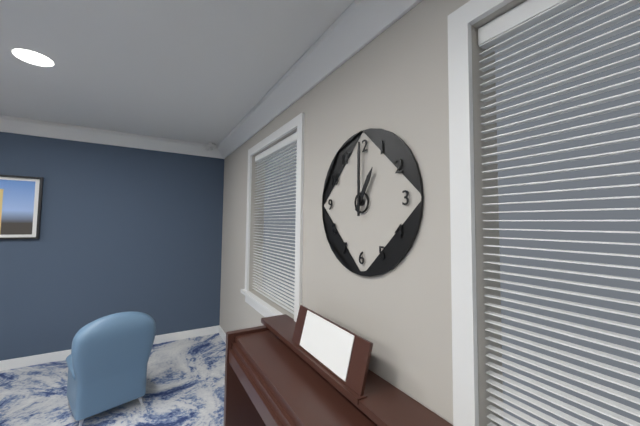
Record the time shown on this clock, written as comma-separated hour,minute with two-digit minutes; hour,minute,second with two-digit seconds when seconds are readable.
1,00
